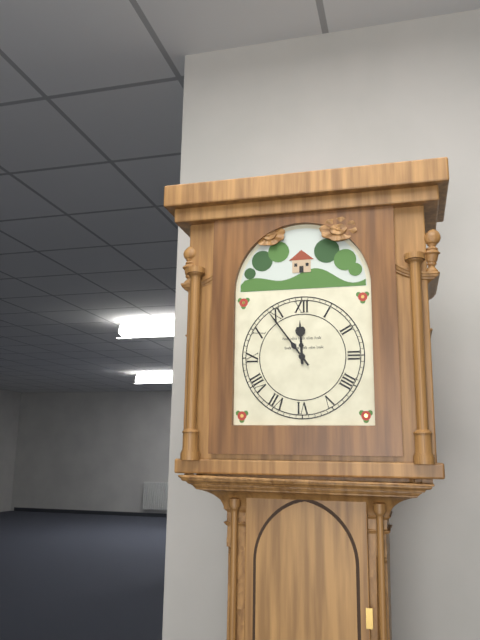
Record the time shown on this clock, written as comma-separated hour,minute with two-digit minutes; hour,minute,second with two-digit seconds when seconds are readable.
11,54
